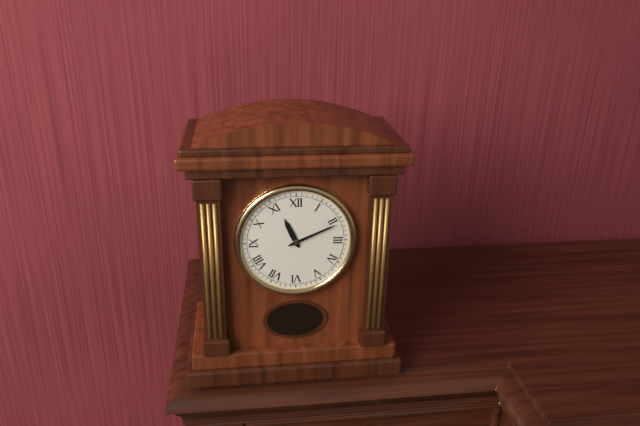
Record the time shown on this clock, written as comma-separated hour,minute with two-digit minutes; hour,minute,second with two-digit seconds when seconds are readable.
11,11
